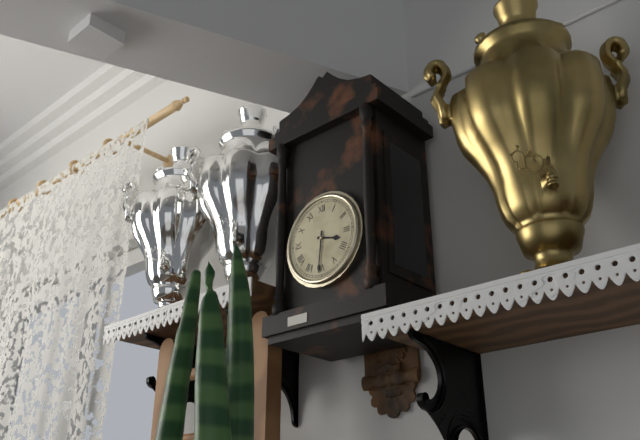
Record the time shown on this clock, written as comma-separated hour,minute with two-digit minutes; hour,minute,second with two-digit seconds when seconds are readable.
3,31
